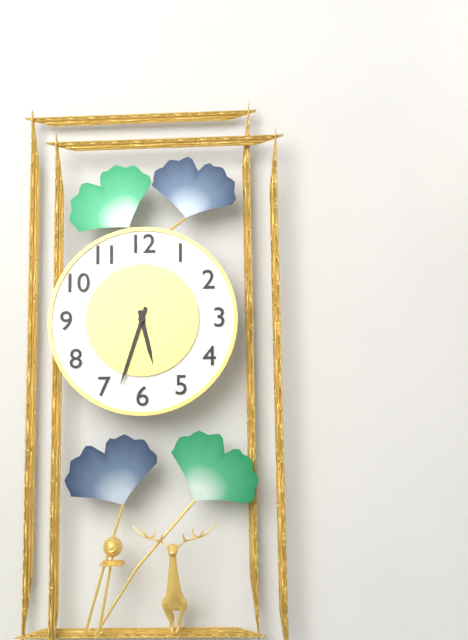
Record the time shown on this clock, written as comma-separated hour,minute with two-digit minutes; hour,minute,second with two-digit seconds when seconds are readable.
5,33
